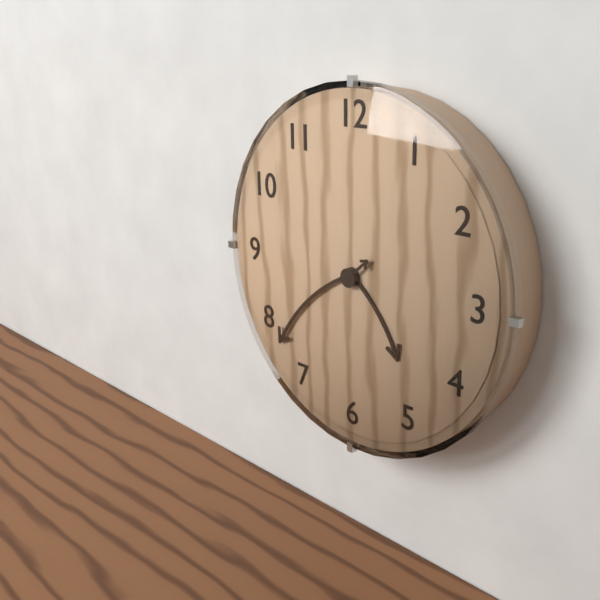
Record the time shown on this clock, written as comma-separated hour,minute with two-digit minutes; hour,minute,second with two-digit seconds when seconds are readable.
4,38
